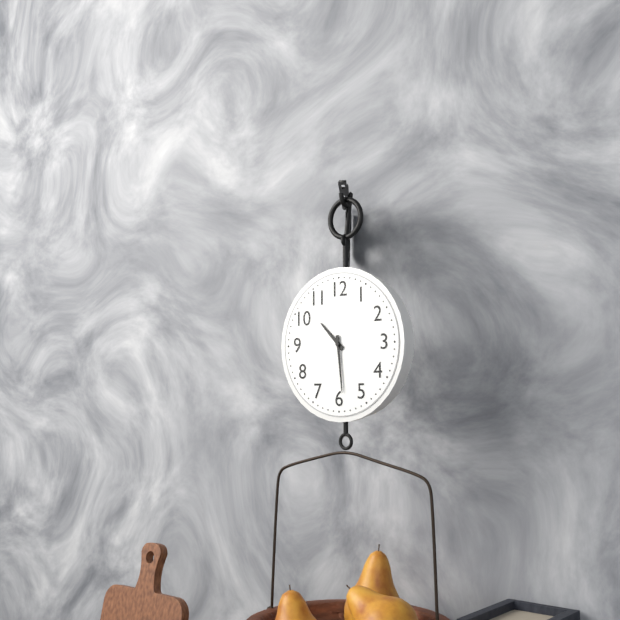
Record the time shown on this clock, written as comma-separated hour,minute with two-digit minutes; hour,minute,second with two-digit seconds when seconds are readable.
10,29
